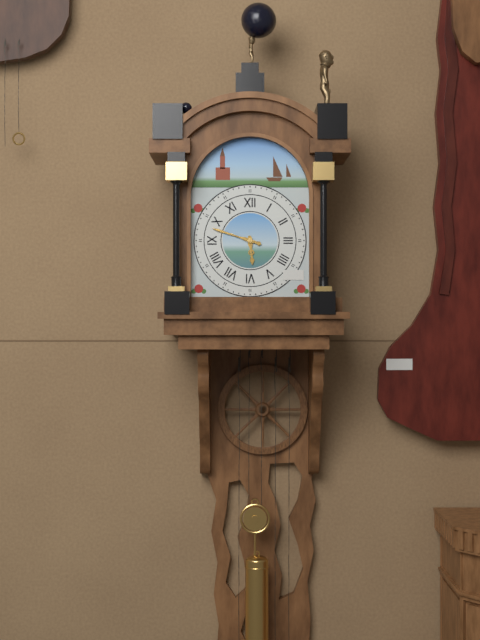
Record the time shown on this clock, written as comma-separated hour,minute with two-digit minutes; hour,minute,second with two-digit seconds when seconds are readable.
5,48
